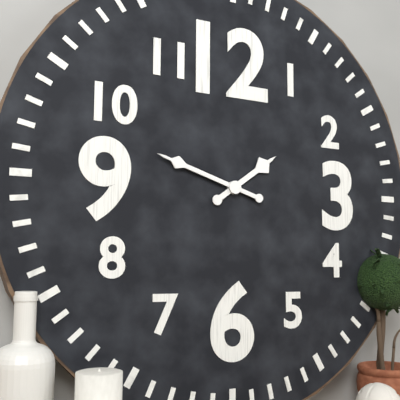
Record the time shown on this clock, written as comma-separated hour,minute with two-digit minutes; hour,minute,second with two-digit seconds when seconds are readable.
1,48
